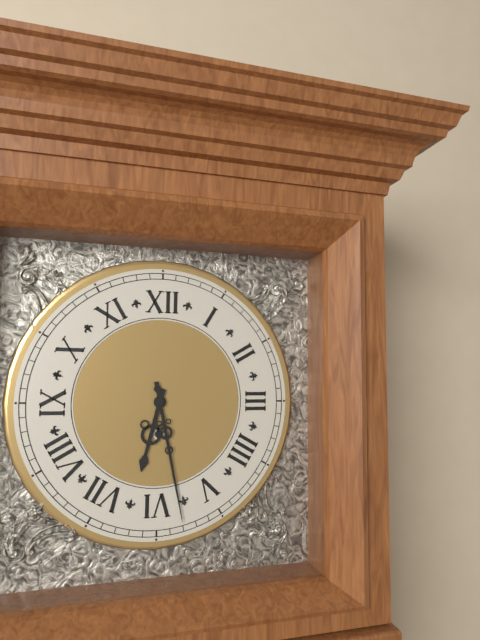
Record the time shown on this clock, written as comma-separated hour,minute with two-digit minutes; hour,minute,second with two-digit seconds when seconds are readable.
6,28
